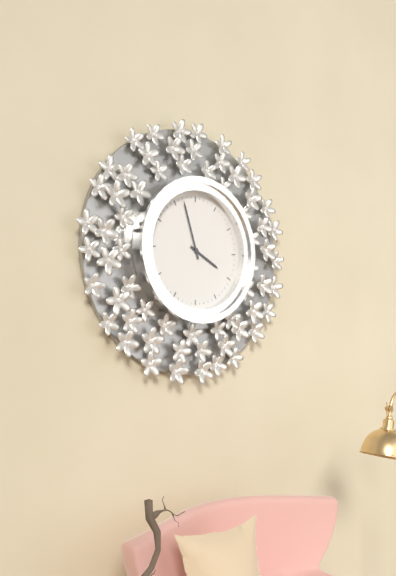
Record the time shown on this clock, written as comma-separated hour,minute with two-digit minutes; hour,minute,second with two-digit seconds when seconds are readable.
3,57
